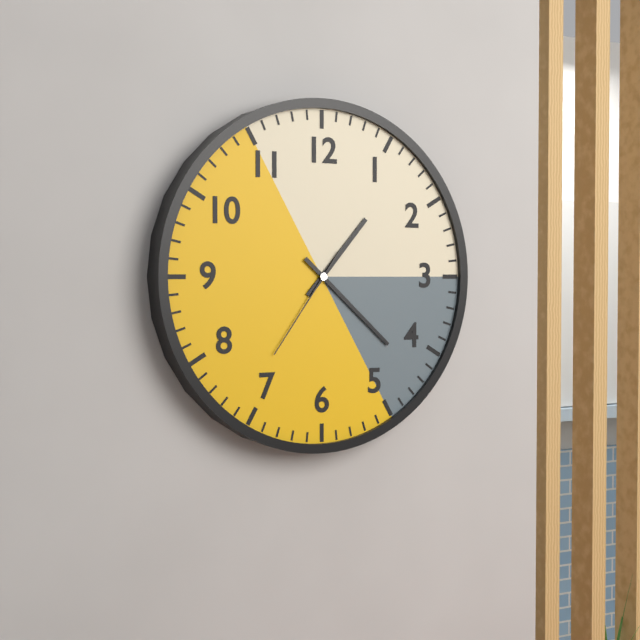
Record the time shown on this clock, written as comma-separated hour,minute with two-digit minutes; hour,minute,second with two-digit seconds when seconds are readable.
1,22,36
